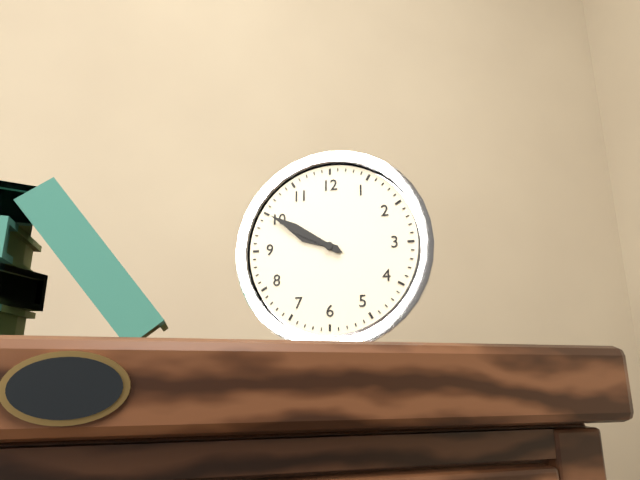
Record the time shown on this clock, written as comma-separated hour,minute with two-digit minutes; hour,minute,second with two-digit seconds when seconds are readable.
9,50
